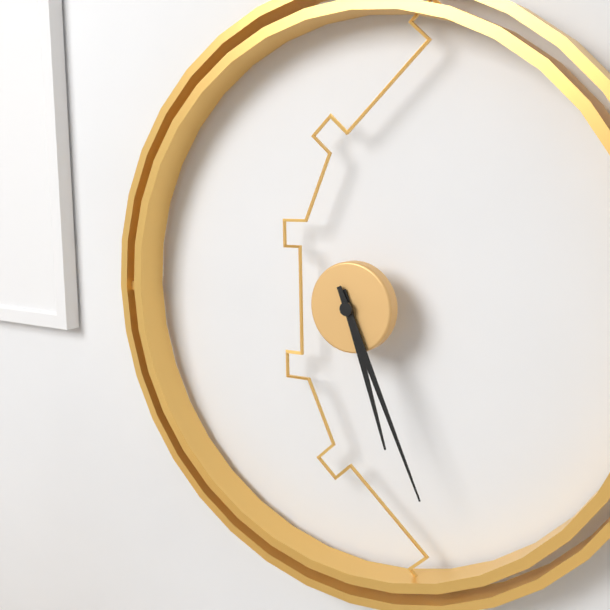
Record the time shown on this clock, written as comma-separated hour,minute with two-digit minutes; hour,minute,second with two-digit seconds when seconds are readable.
5,26
